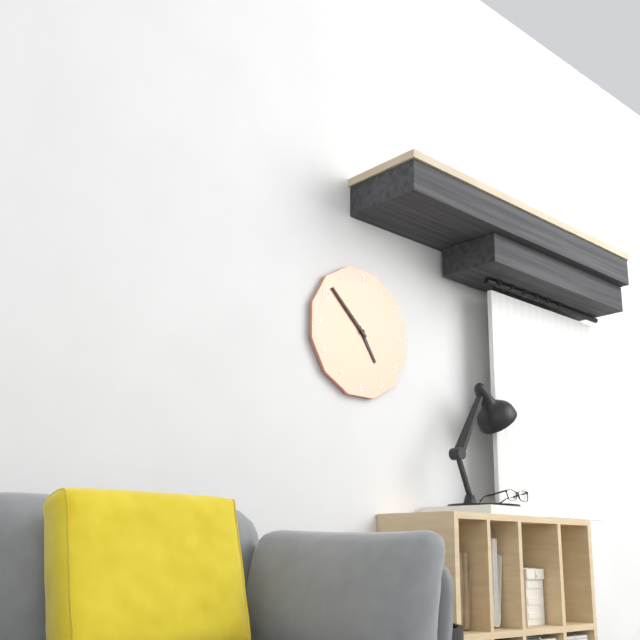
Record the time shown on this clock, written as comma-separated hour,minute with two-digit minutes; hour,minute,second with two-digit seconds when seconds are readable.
4,52
